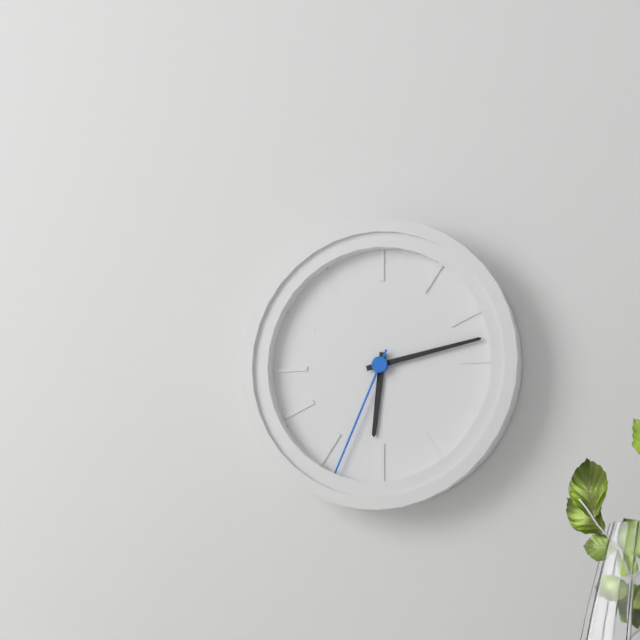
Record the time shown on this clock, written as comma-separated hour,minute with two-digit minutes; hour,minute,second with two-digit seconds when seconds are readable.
6,13,34
